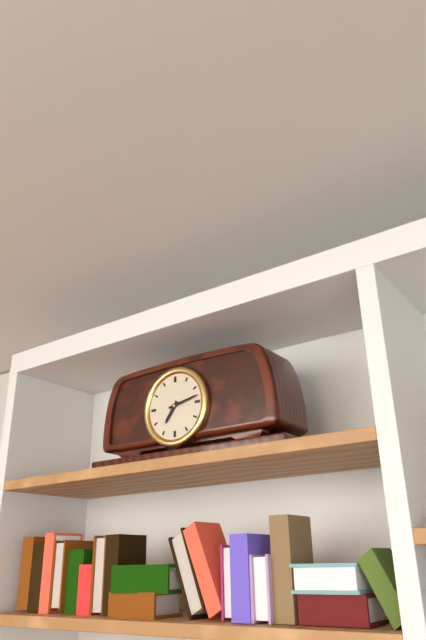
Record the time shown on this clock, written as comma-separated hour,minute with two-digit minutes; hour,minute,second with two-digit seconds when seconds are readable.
7,13
